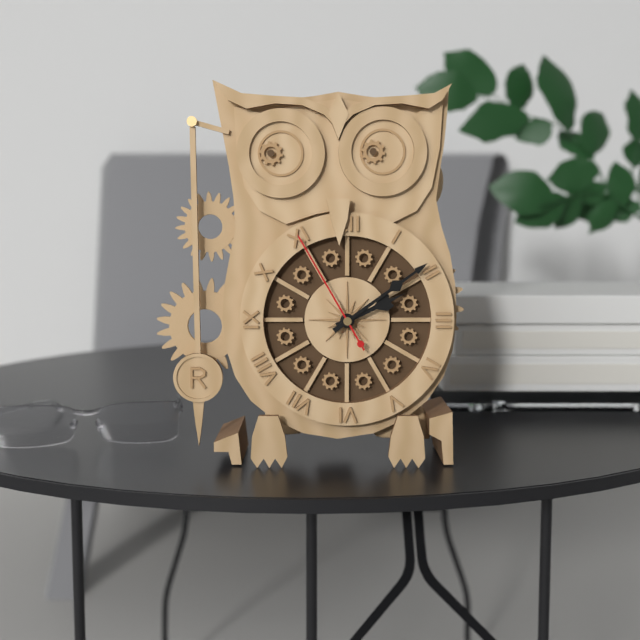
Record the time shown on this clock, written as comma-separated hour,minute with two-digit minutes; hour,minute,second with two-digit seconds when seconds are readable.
2,09,55
